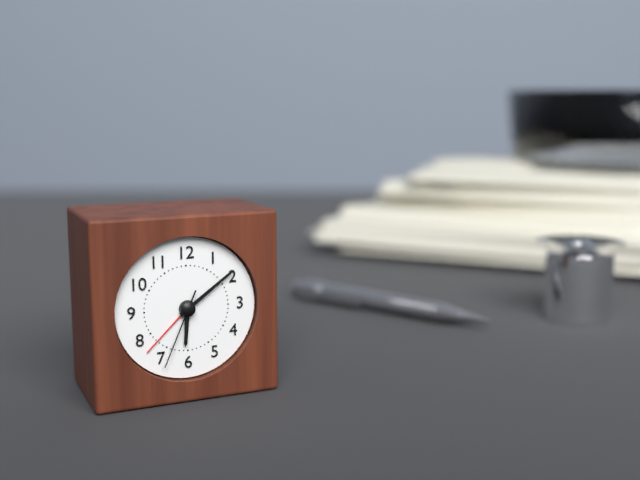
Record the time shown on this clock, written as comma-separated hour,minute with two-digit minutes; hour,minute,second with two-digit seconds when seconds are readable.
6,09,34
